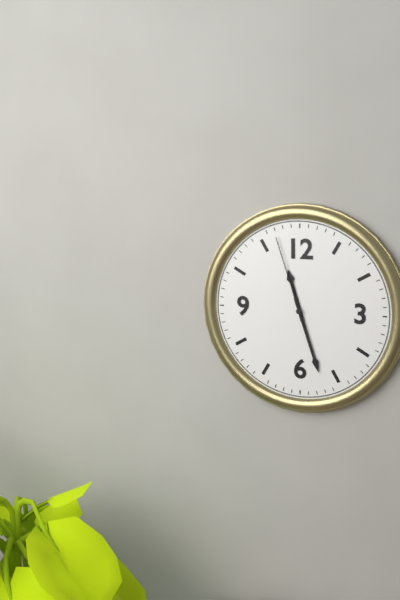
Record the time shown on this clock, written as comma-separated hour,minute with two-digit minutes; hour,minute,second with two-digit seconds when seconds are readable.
11,27,57
